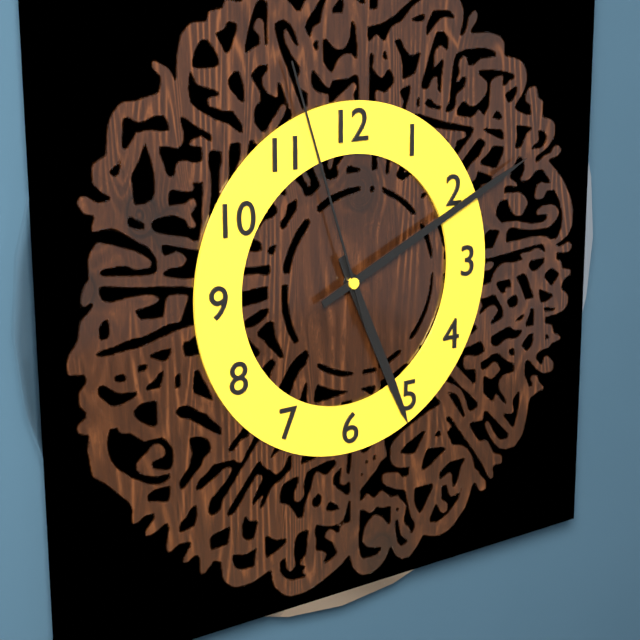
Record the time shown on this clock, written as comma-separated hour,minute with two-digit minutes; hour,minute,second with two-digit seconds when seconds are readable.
5,11,57
